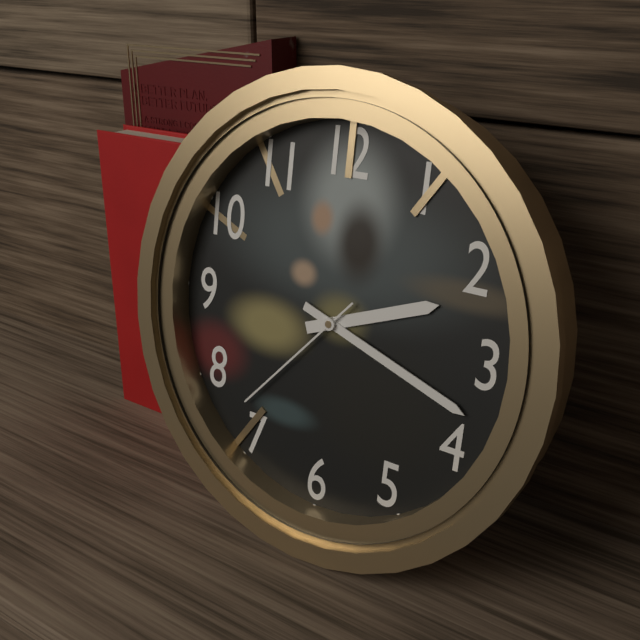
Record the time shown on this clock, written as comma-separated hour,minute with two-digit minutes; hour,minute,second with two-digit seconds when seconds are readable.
2,18,37
